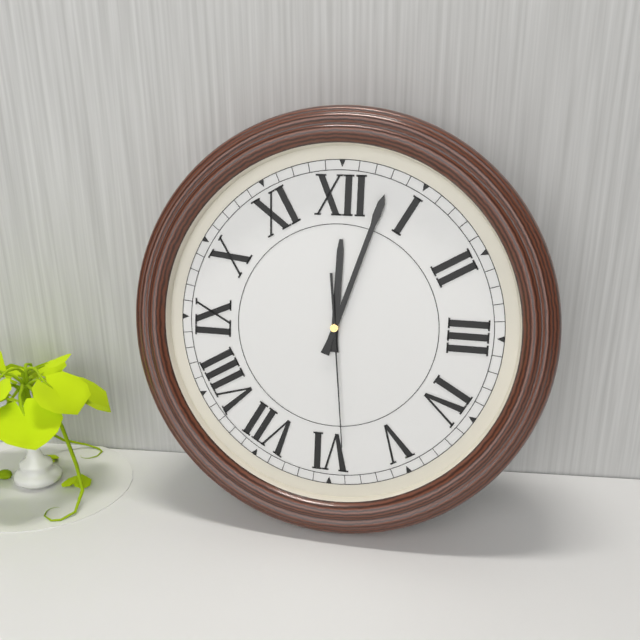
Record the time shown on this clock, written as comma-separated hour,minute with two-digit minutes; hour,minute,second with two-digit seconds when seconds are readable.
12,03,29
